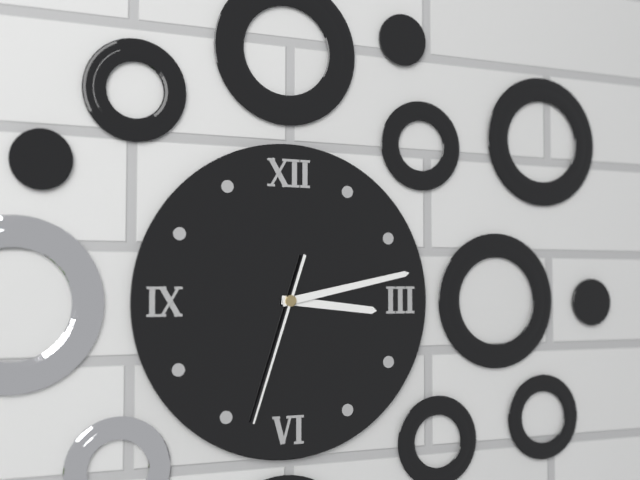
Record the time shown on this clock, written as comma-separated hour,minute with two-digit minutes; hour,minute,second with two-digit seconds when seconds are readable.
3,13,33
